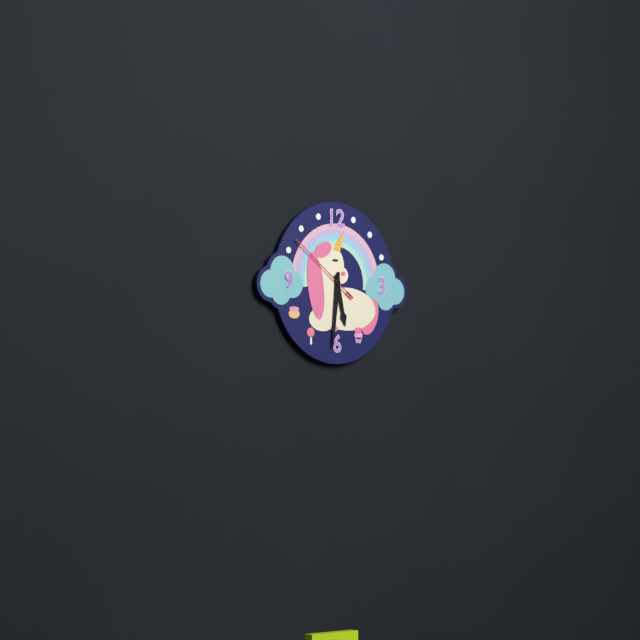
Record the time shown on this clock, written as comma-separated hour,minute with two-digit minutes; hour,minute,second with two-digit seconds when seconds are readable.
5,31,51
